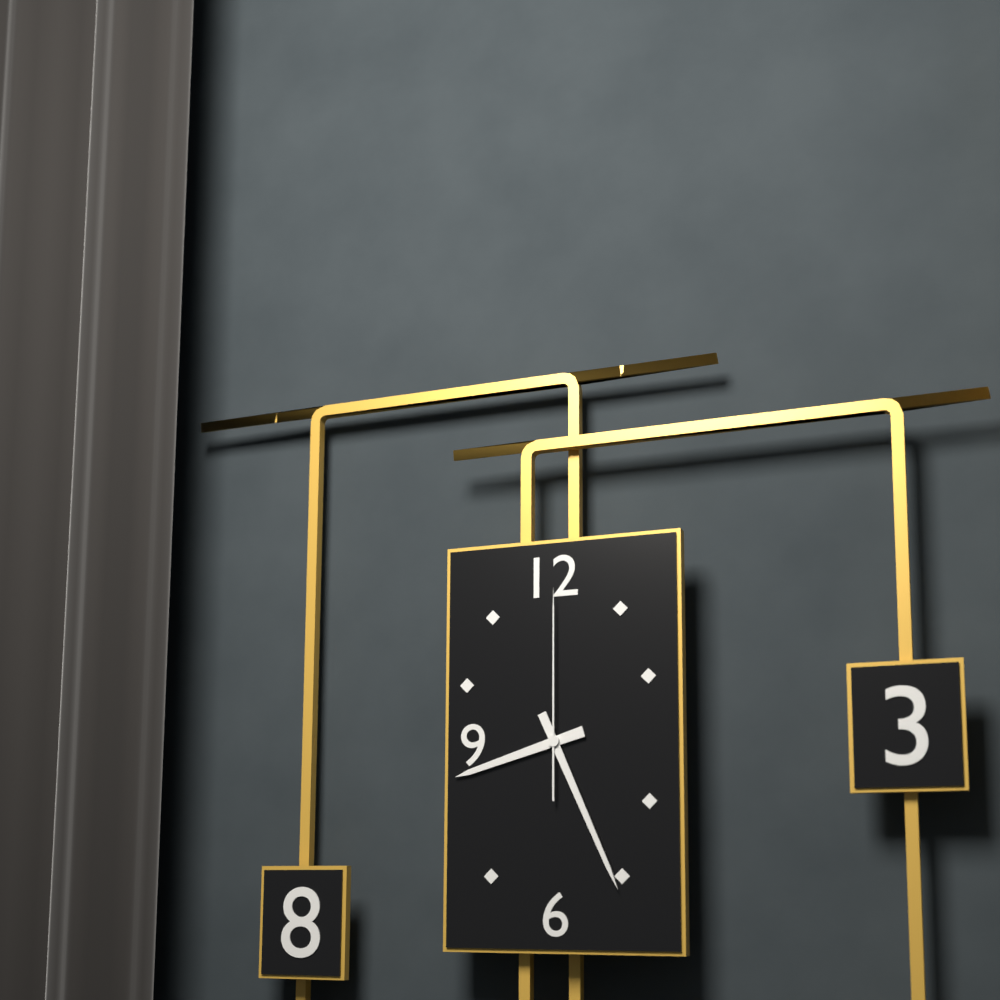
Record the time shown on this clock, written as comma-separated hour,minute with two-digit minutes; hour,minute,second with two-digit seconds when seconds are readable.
8,26,00
